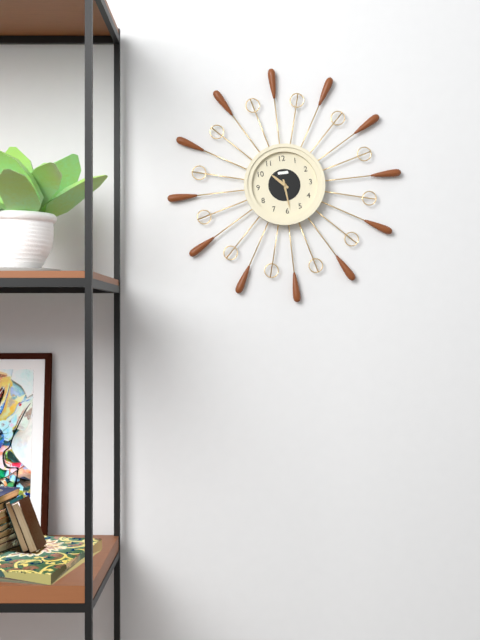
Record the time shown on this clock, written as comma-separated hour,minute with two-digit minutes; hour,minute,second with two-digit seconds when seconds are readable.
10,29
